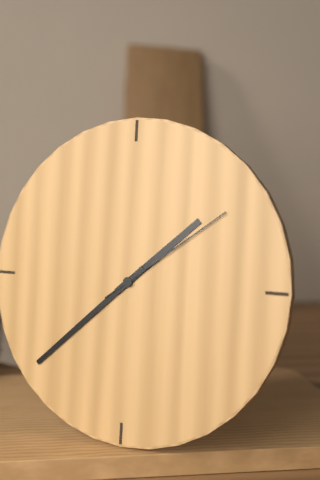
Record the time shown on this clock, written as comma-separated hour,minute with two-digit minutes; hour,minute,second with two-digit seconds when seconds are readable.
1,38,09
